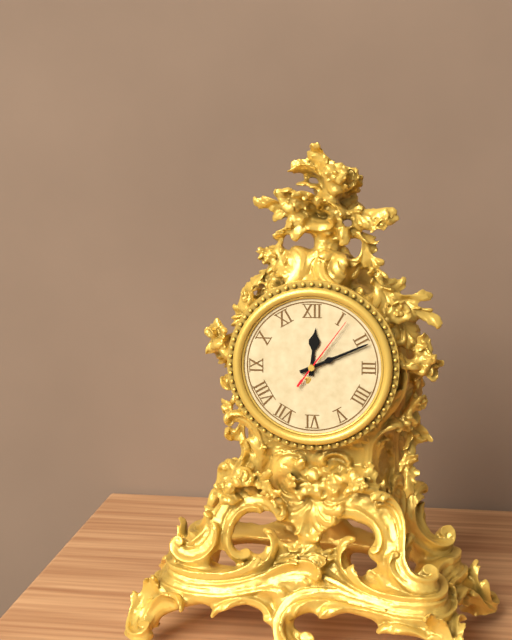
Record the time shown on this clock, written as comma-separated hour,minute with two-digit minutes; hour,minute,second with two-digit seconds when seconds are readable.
12,11,06
